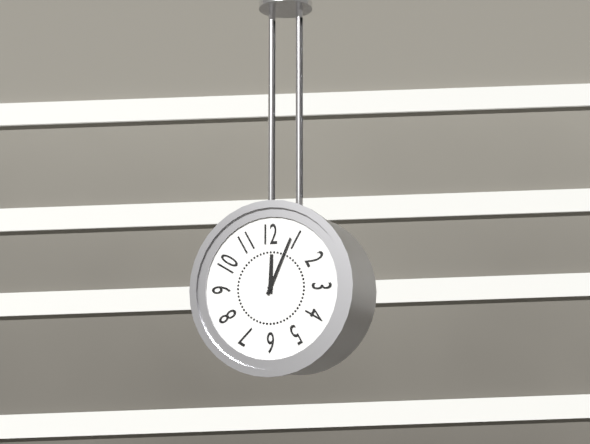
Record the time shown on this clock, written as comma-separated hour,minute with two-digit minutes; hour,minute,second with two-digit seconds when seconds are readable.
12,04
